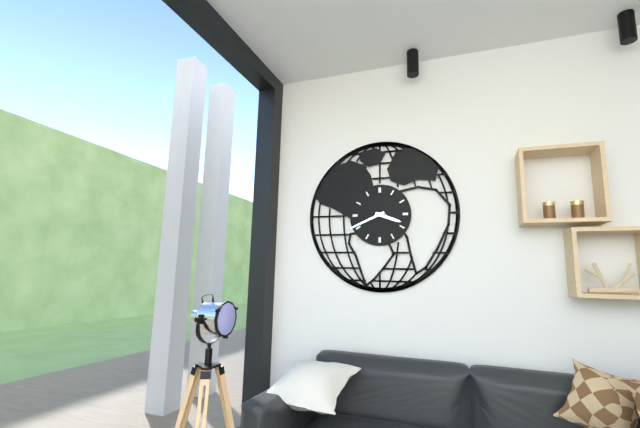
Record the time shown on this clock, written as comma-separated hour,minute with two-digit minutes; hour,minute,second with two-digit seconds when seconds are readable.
3,41
